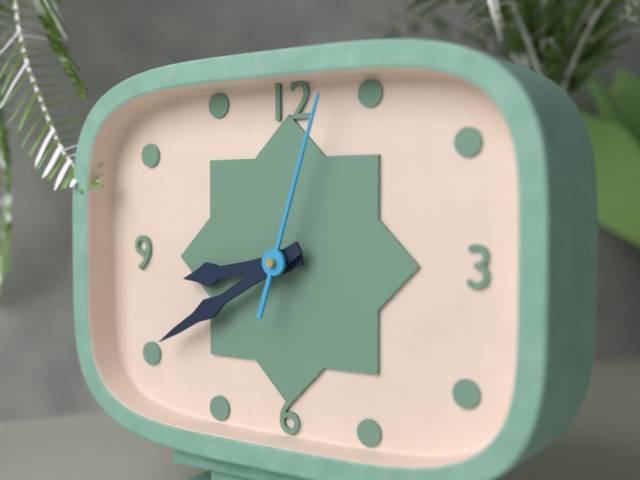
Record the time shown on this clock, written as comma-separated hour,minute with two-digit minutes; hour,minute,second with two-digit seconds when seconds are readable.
8,40,03
